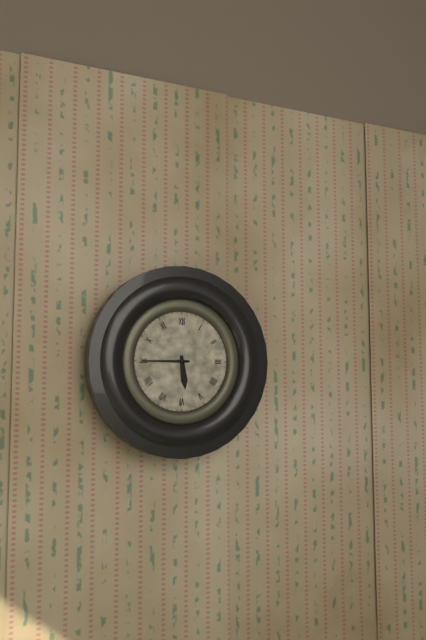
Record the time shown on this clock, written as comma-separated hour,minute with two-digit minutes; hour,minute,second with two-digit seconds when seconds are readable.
5,45
